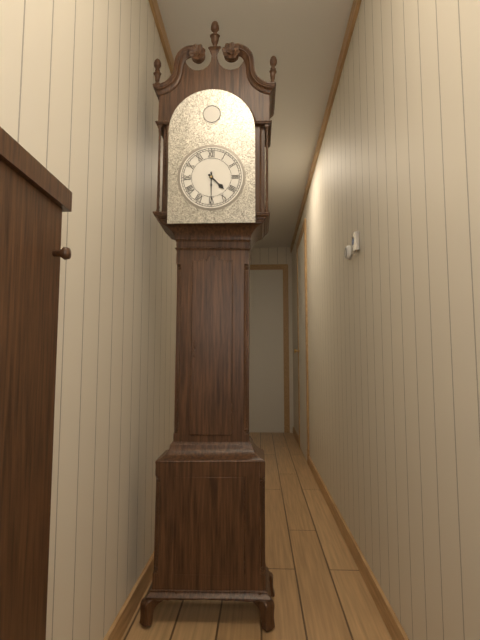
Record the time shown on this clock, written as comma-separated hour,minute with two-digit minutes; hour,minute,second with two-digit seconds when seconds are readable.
4,30
